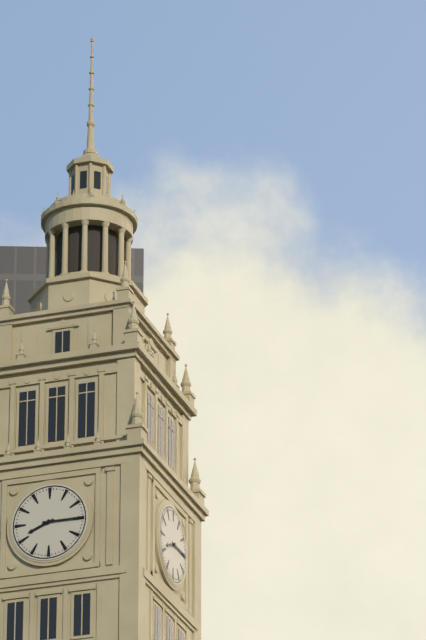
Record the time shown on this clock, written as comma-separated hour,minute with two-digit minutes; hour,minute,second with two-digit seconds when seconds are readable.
8,15
